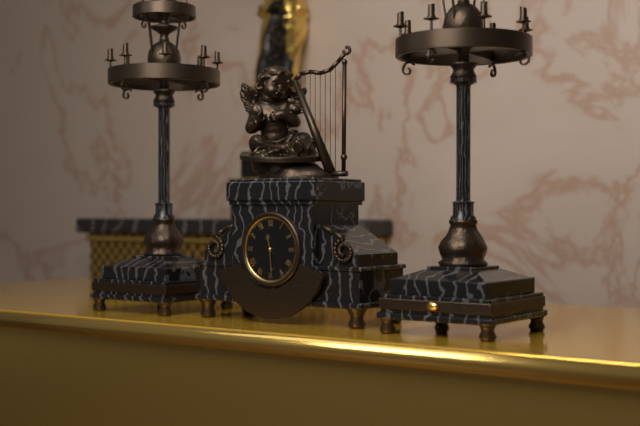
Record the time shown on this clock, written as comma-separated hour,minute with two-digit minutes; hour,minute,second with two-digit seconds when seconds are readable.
11,29
